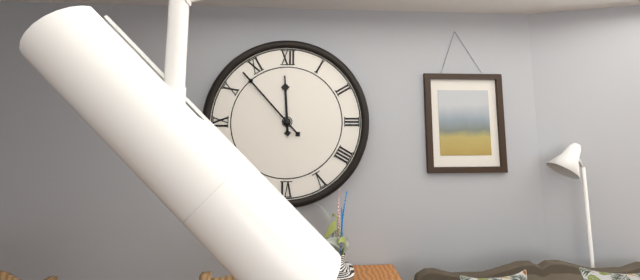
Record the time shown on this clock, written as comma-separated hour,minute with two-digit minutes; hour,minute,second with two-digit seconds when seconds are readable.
11,53
